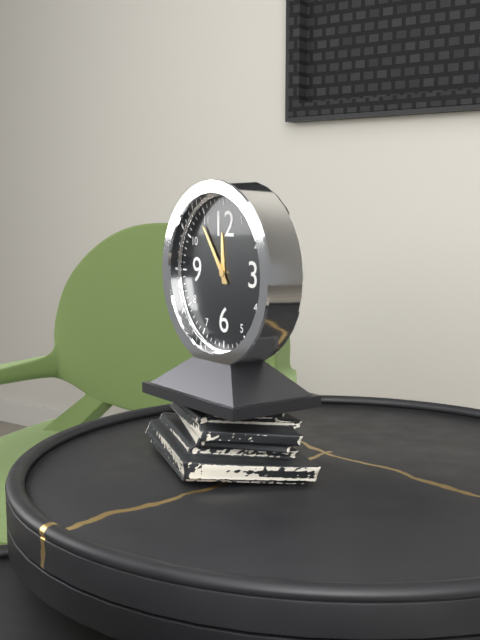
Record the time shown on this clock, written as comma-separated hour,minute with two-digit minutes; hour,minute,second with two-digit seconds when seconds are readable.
11,54
